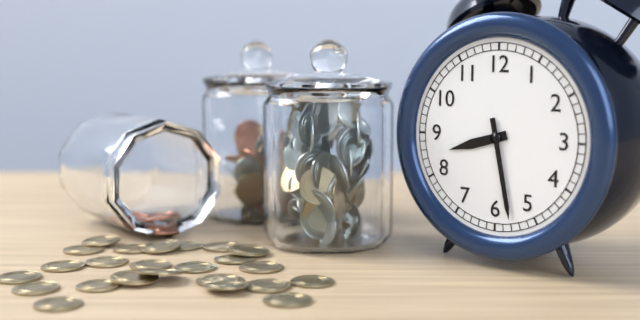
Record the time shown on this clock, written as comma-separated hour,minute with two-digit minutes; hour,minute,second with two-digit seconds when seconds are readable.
8,28
